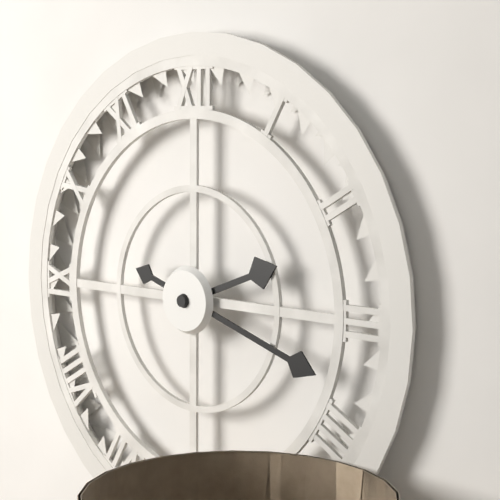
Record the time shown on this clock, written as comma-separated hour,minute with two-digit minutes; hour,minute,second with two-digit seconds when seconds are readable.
2,18
